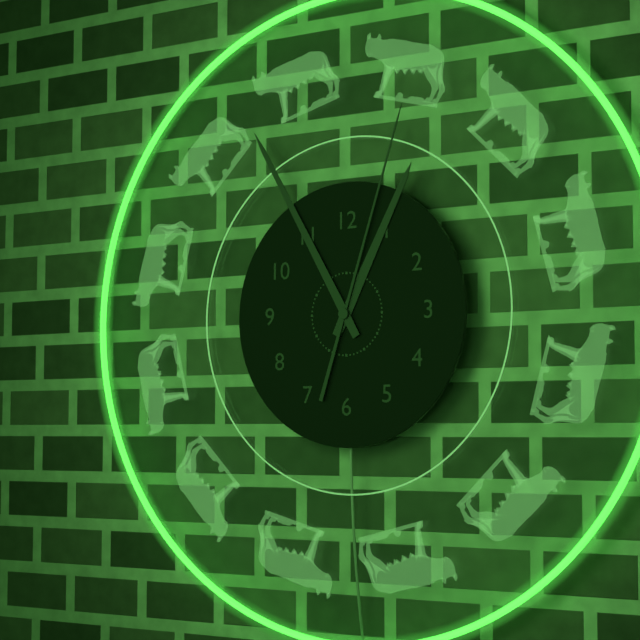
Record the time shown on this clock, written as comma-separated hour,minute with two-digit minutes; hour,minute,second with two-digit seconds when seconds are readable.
12,55,03
